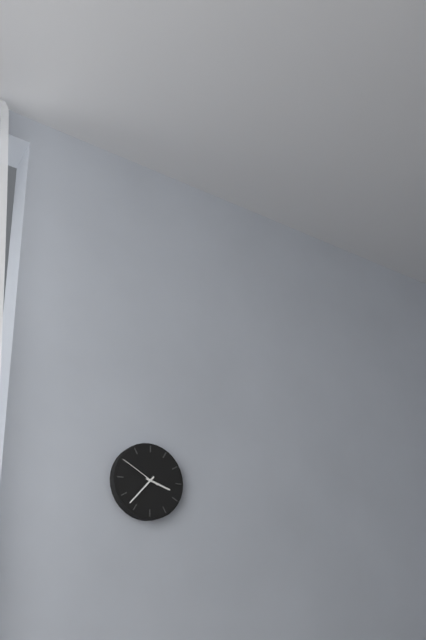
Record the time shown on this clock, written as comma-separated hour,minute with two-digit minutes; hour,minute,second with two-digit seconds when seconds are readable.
3,37
